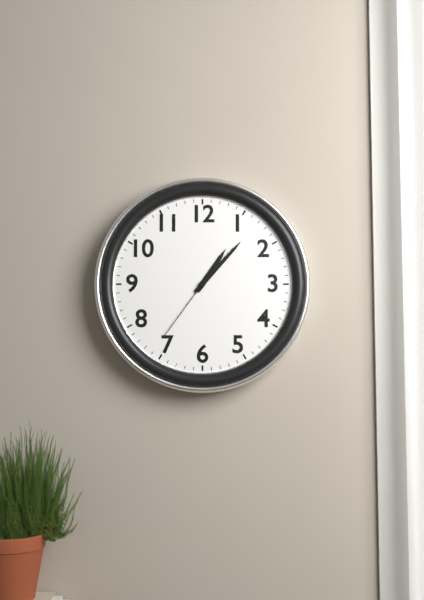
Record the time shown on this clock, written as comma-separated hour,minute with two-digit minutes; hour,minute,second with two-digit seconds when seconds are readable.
1,07,36
